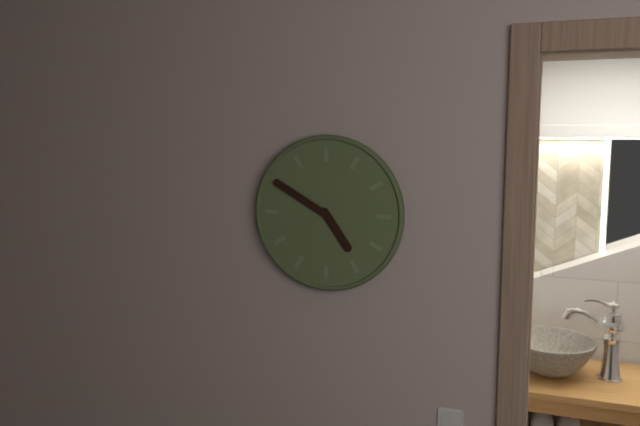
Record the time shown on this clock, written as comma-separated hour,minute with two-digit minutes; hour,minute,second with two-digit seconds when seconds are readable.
4,50
